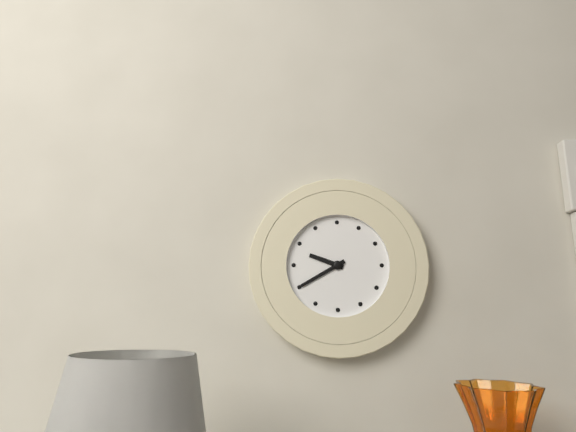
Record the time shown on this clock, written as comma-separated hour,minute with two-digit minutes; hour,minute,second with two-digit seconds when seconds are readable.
9,40
